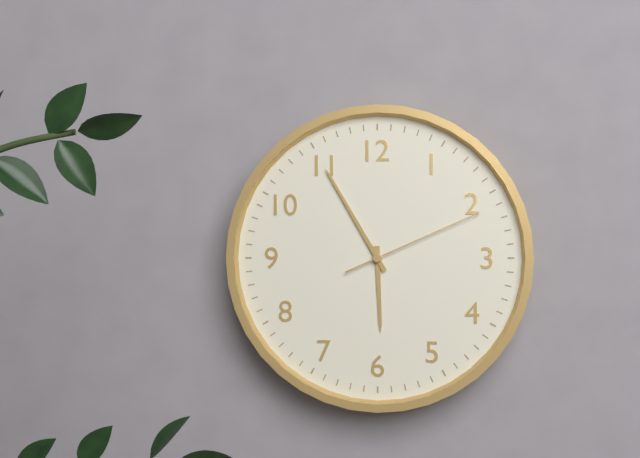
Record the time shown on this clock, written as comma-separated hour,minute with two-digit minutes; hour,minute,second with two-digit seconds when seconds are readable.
5,55,11
